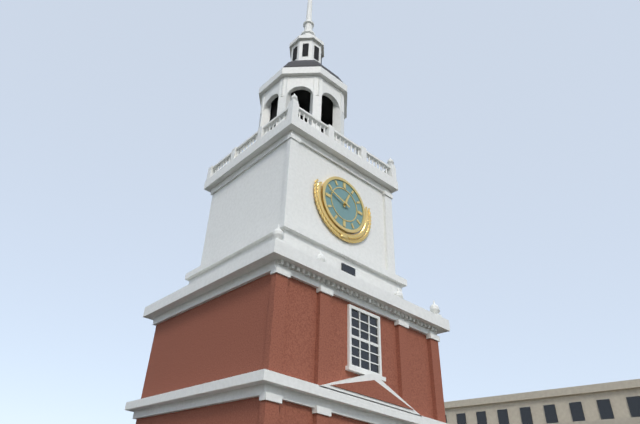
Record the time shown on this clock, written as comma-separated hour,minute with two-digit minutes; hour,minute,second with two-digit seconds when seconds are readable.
12,48
